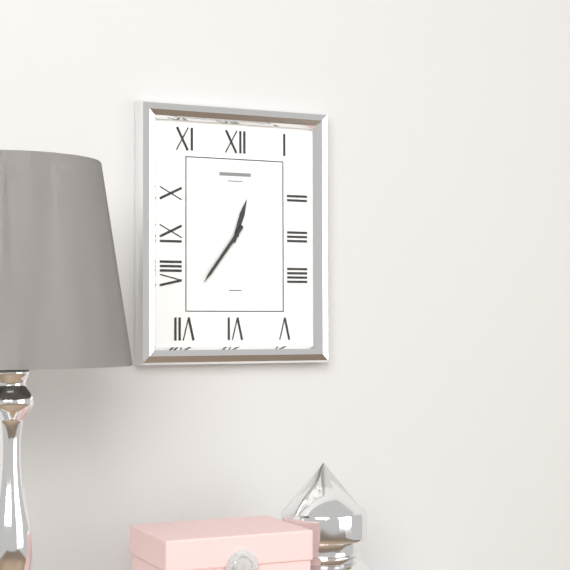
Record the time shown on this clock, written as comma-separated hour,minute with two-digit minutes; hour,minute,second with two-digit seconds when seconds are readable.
12,36
